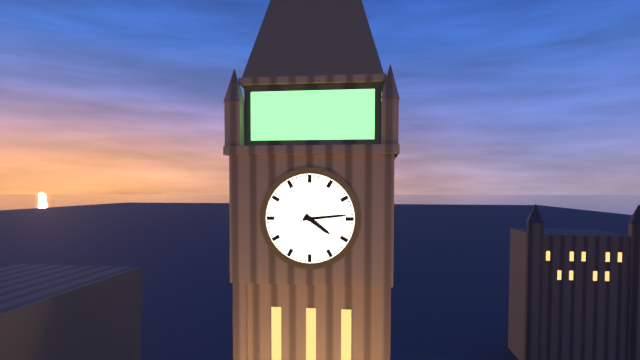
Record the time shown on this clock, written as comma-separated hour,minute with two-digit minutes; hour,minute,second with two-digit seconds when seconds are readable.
4,14
